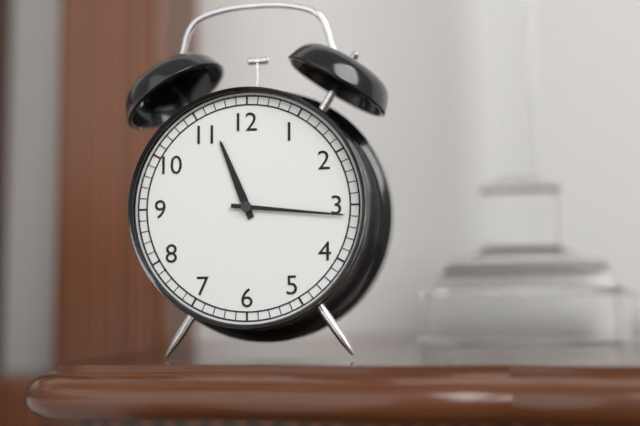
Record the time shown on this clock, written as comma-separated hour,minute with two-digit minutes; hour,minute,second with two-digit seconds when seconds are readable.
11,16
